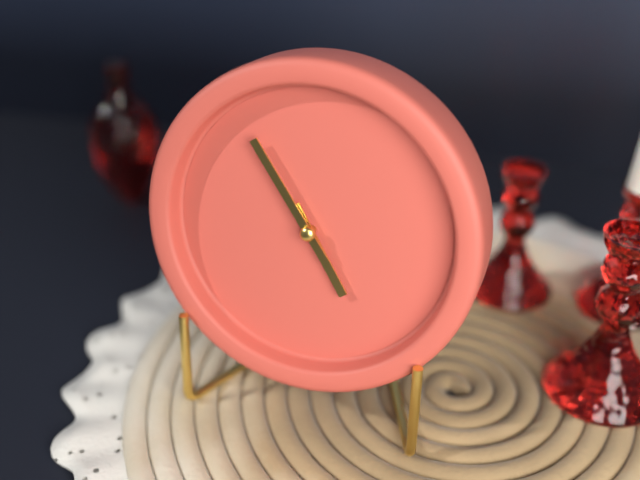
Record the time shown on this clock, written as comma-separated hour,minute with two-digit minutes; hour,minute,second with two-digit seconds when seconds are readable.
4,54
